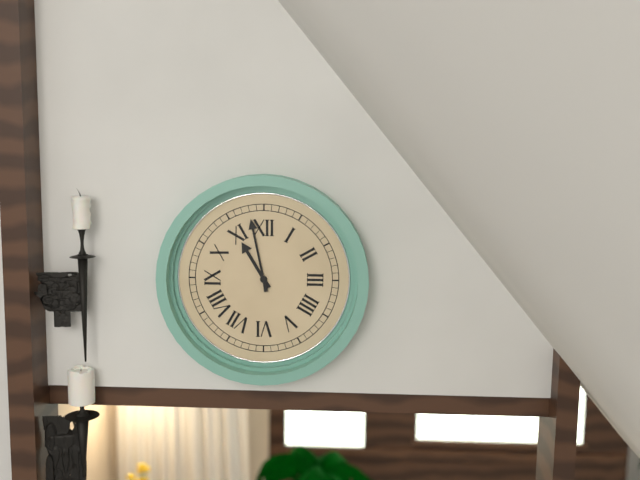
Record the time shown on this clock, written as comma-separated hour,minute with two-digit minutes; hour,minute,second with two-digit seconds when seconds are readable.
10,58
